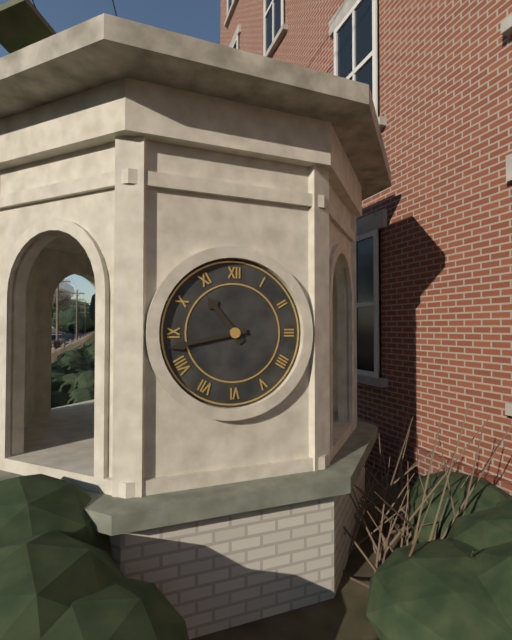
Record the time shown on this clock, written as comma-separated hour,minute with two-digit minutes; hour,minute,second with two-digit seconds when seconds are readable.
10,43
